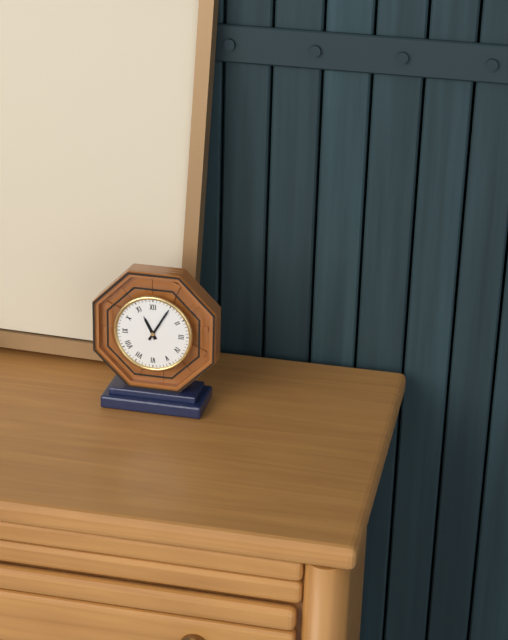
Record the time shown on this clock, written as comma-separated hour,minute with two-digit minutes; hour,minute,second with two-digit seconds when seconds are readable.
11,05
